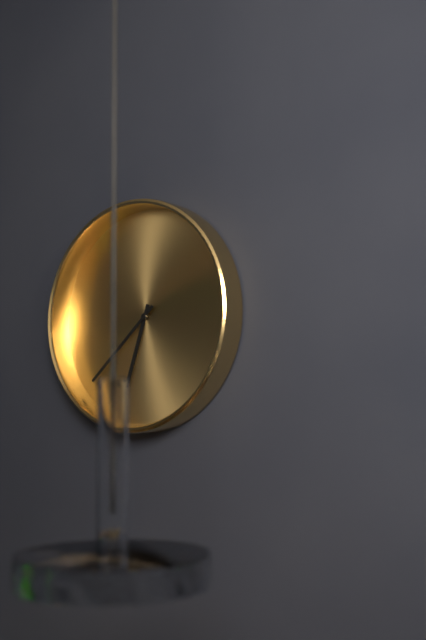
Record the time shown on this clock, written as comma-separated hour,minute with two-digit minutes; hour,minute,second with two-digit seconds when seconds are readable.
6,38
